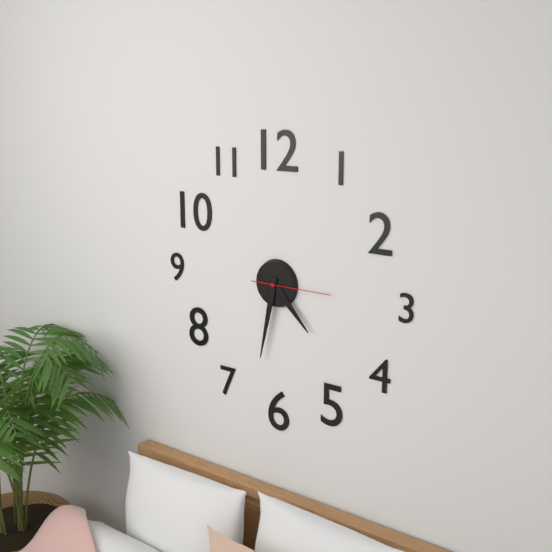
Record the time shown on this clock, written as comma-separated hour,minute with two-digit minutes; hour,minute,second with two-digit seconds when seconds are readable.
4,32,15
